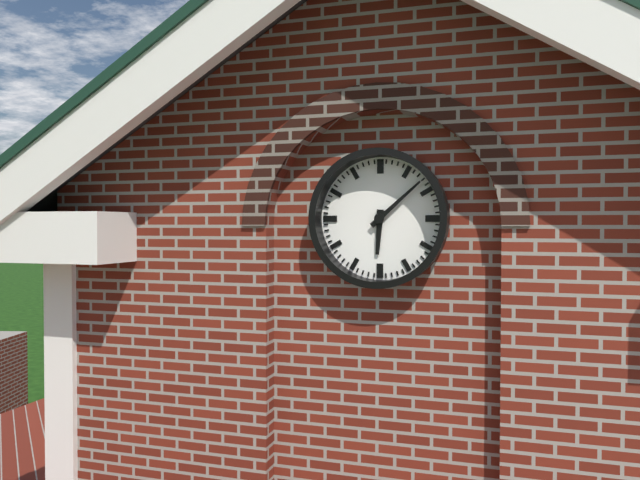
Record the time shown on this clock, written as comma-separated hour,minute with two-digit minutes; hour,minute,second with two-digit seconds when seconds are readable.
6,08
